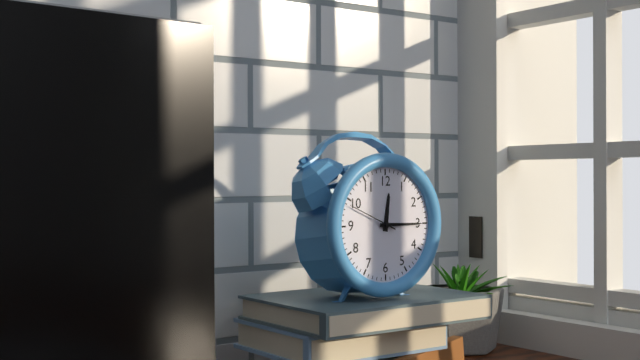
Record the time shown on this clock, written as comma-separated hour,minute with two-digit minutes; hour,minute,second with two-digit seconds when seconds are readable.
12,15,49
